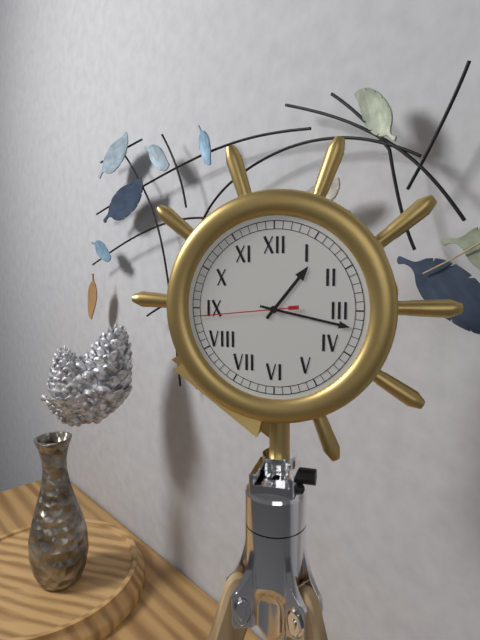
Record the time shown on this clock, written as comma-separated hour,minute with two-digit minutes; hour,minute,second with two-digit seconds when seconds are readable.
1,17,44
